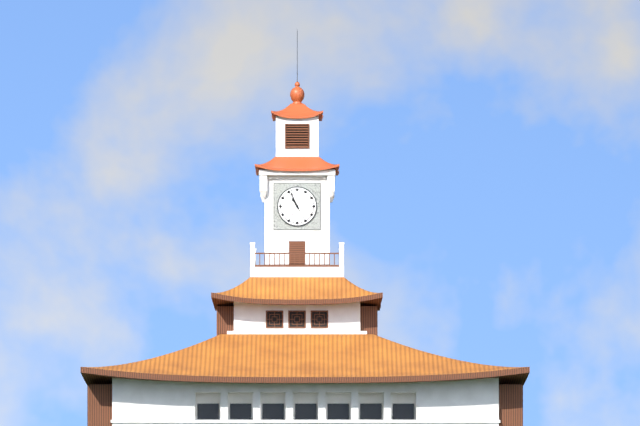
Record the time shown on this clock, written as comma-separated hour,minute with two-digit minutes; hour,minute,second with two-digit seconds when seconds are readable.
10,56
